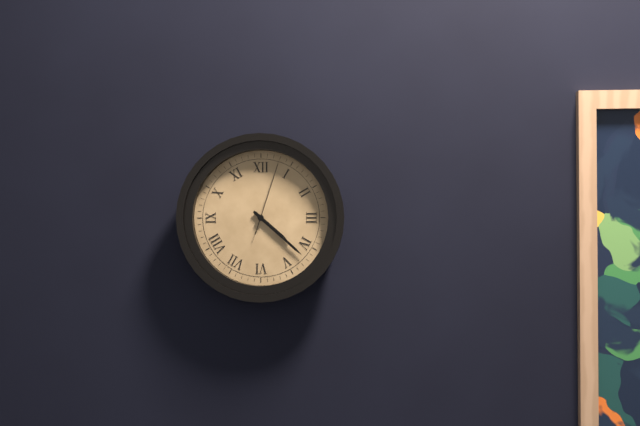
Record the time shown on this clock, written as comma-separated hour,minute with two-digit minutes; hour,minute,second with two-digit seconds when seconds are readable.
4,22,03
